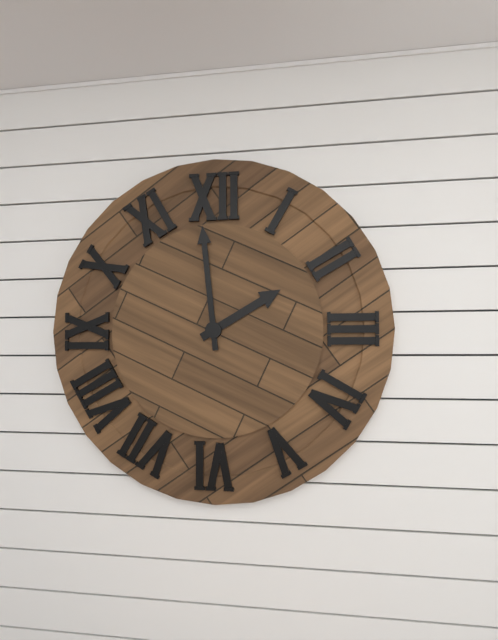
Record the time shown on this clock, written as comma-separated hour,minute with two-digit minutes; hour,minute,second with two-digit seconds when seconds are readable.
1,59
